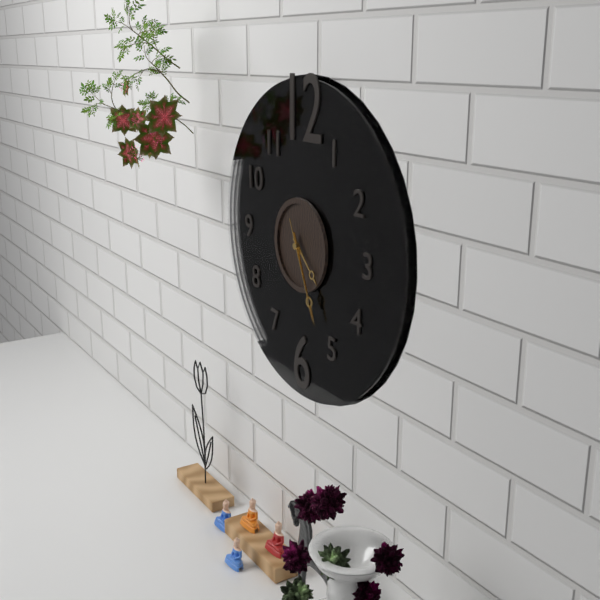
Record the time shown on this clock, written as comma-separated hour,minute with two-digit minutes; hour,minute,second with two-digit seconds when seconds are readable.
4,26,26
